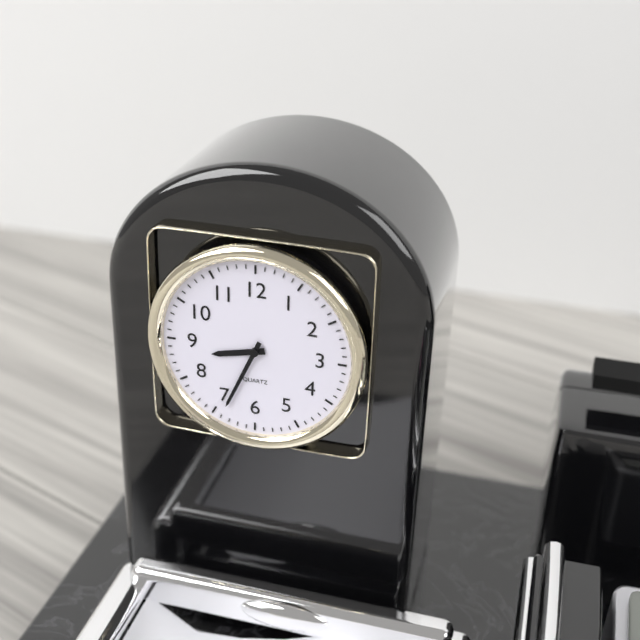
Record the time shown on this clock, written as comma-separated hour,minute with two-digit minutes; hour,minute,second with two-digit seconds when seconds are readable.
8,34
